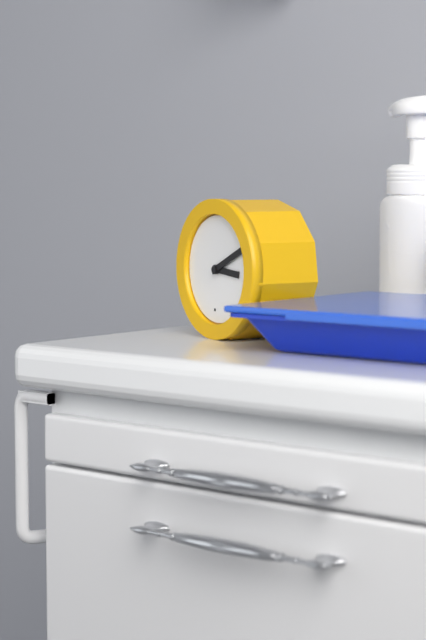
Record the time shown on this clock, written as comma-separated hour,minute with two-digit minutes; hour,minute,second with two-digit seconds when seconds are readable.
3,11
